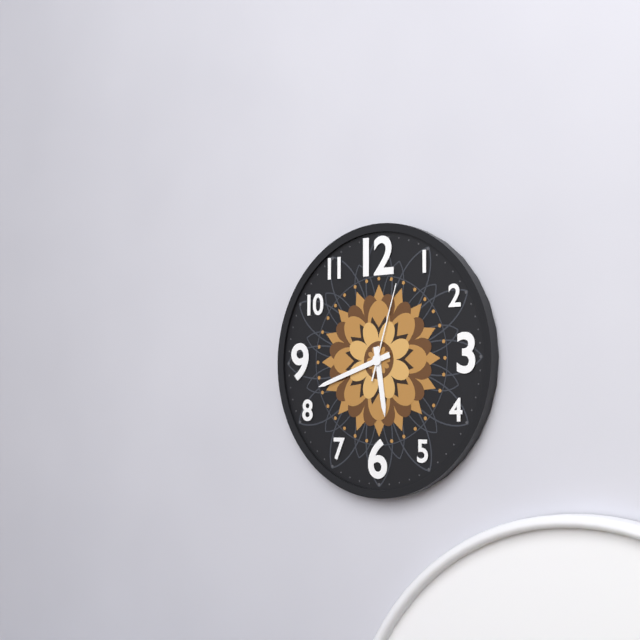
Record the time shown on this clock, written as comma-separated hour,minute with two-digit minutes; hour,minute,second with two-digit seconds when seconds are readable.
5,42,03
